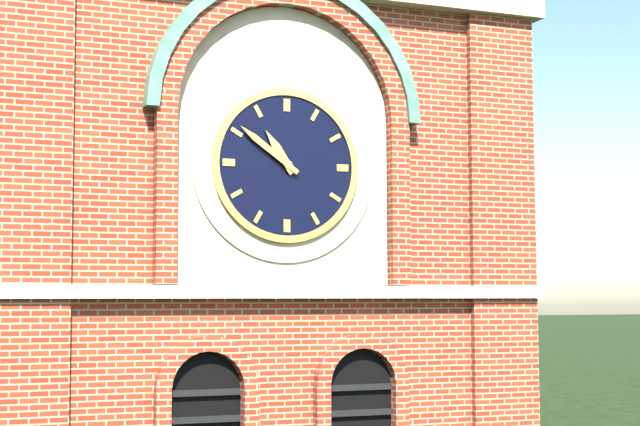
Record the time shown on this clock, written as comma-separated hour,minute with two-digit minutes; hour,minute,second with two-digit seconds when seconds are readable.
10,51
